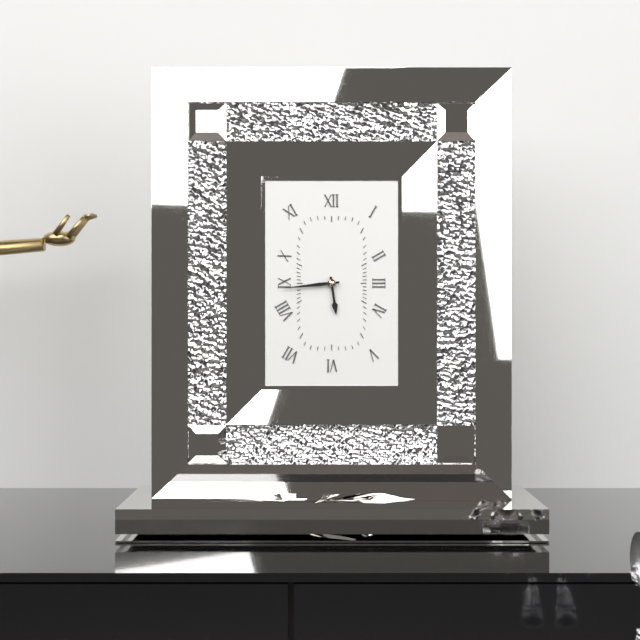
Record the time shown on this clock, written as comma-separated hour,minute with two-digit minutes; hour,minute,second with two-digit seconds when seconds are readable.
5,44
